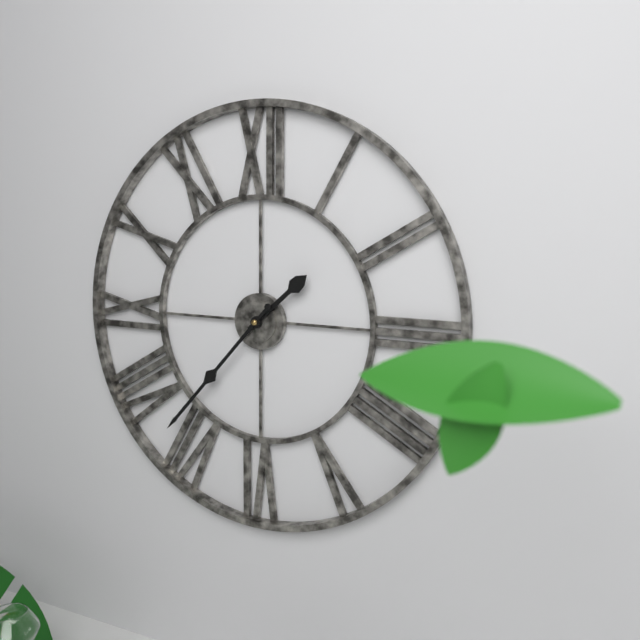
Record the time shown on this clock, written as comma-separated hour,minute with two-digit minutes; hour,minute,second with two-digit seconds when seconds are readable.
1,37
